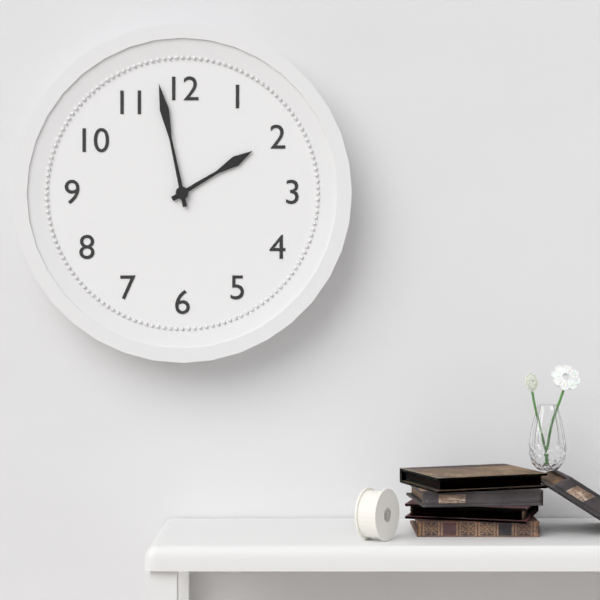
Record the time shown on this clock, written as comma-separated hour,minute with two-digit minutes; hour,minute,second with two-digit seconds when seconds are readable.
1,58
